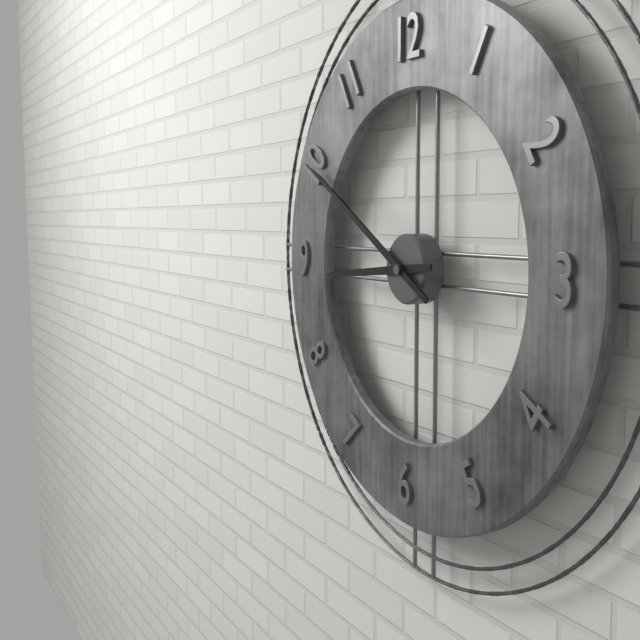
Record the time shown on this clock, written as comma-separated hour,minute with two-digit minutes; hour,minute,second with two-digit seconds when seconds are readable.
8,50
